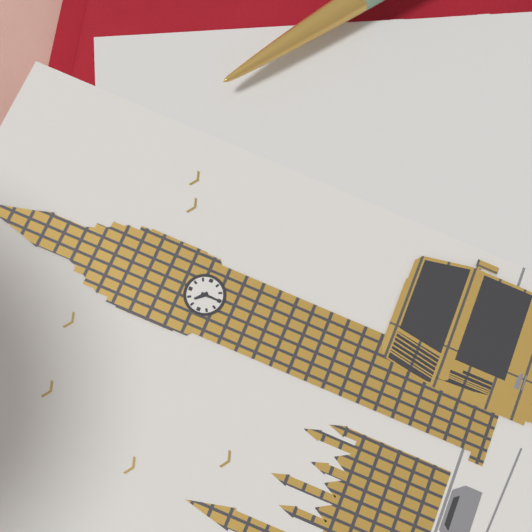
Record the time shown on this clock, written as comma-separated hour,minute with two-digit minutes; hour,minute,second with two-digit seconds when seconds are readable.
10,30
